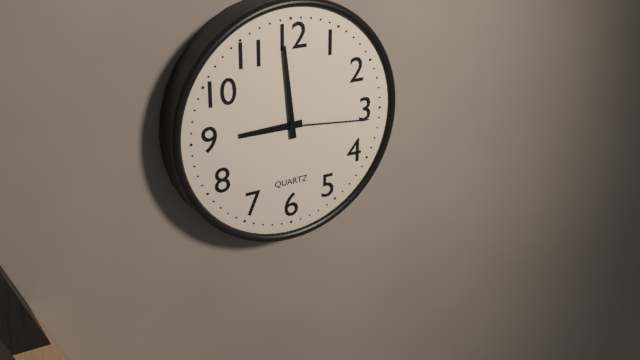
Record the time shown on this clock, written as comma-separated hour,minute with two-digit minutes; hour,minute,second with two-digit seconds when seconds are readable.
8,59,16
